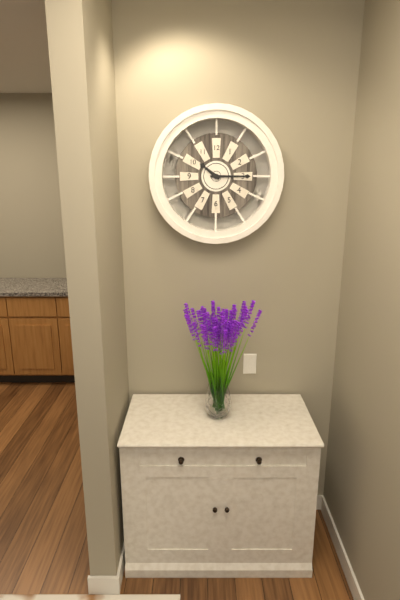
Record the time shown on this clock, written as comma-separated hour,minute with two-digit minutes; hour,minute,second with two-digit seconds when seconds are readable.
10,15
